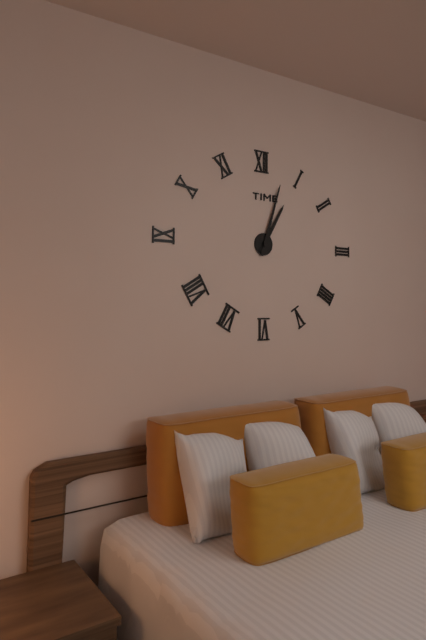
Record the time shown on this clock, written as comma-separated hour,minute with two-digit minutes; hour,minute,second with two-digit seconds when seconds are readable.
1,03
